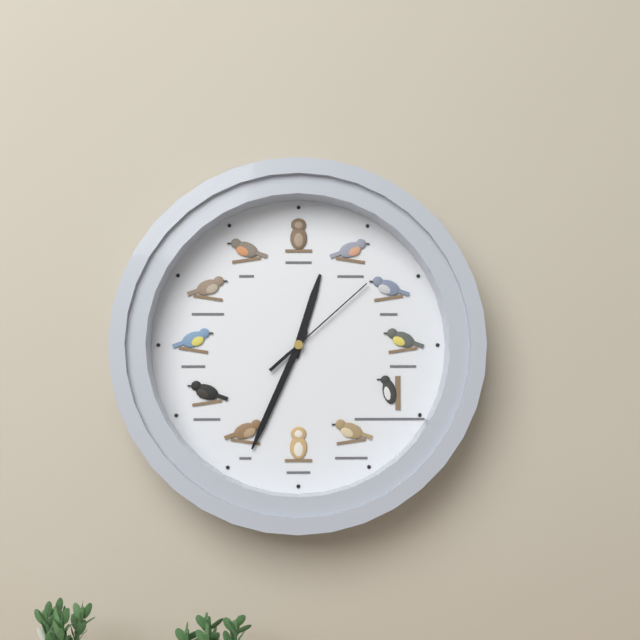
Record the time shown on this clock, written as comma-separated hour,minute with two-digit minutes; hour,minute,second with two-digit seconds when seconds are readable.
12,34,08
